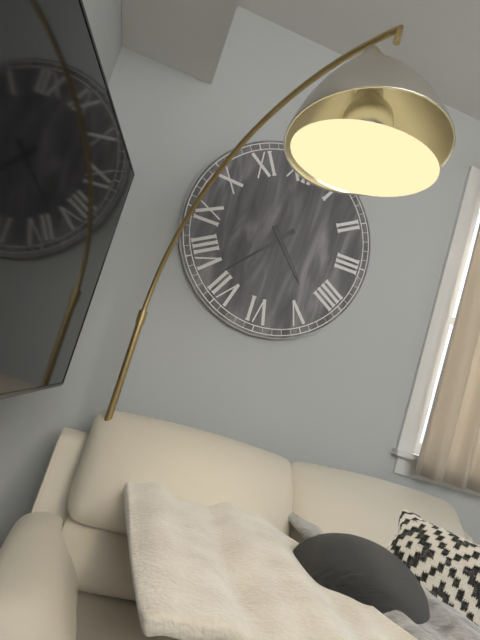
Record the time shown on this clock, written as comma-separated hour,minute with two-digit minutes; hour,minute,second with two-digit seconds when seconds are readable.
4,37
